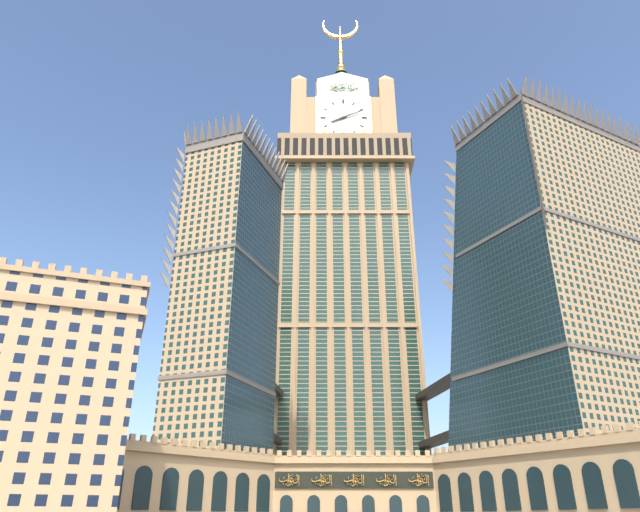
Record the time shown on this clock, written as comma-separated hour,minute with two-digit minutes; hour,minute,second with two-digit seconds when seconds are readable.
8,11
